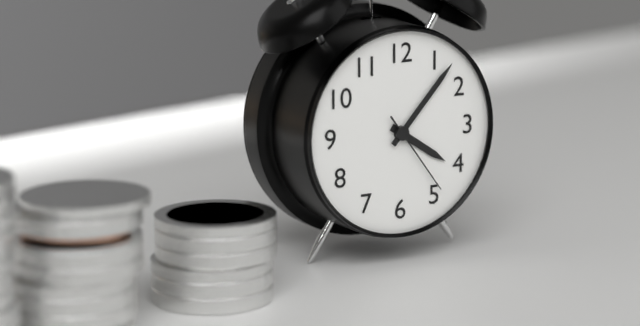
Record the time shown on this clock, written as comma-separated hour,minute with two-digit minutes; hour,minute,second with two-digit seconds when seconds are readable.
4,07,24
